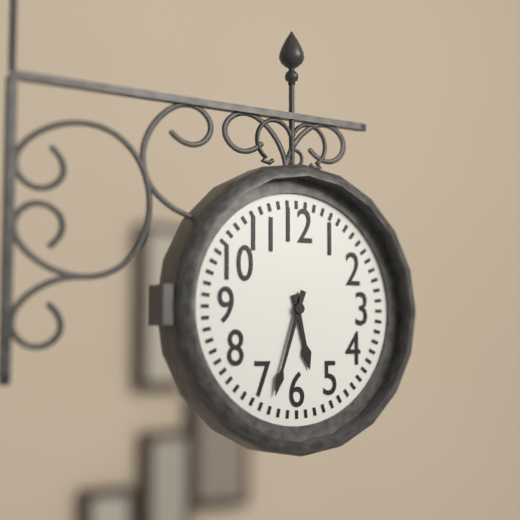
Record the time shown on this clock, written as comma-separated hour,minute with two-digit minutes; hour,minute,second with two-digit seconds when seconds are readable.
5,33
